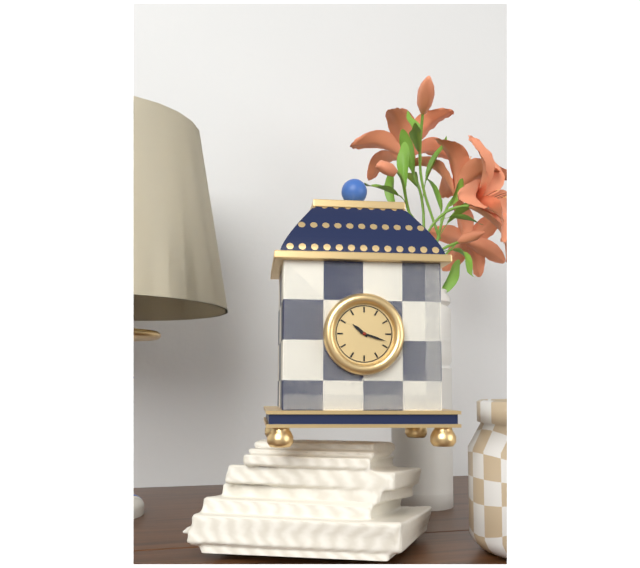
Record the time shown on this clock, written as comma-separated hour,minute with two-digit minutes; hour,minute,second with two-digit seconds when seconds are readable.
10,18
